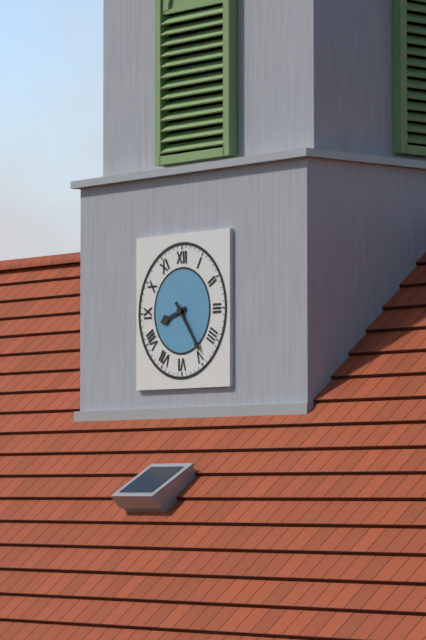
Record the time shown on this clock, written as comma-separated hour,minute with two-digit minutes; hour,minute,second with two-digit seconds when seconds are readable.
8,24
